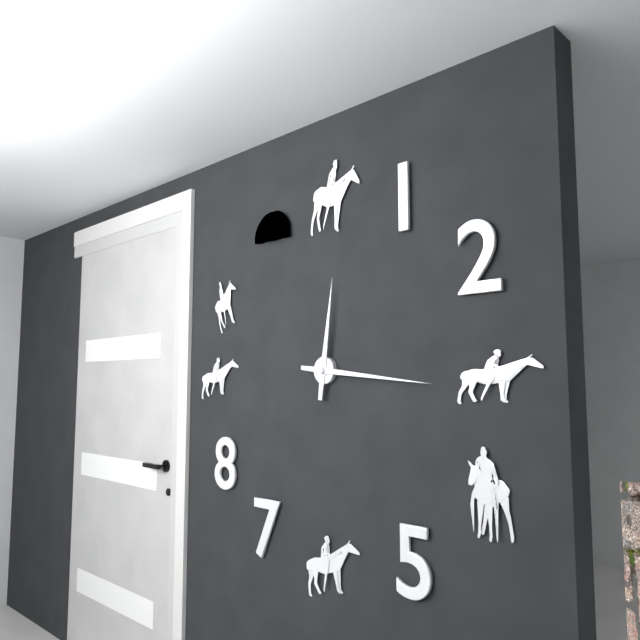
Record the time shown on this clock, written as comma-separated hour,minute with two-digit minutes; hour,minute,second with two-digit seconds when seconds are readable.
12,16
